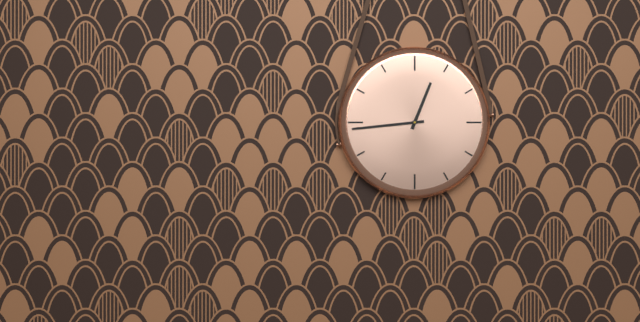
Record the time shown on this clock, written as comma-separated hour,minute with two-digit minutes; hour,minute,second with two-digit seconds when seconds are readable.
12,44
